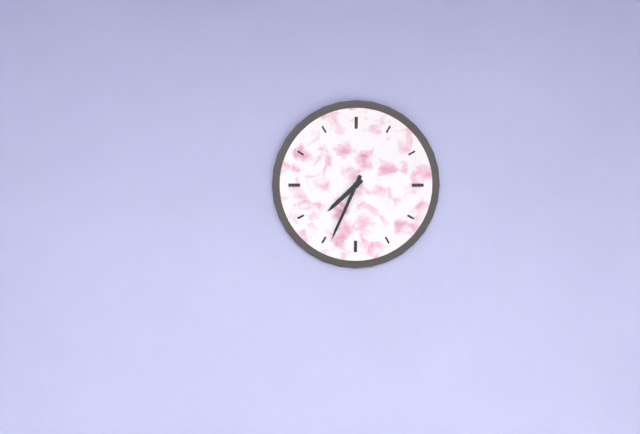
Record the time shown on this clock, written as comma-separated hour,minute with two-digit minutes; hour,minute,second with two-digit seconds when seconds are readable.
7,34
